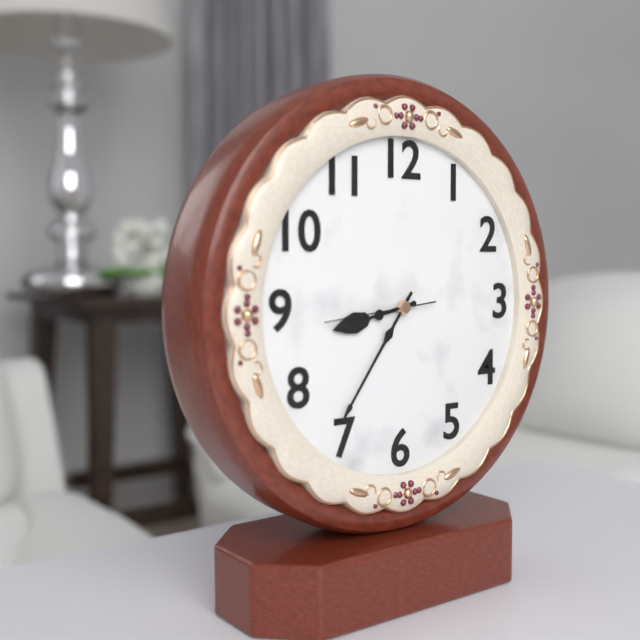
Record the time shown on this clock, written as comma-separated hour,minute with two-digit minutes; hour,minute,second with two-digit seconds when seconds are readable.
8,36,44
